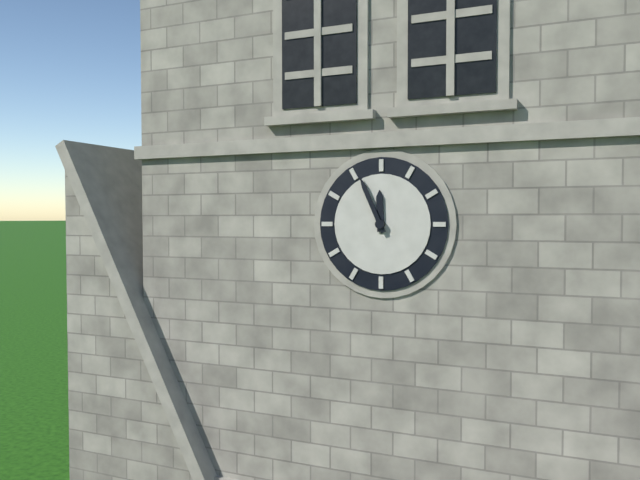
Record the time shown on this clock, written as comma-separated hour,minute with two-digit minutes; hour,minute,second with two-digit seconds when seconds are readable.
11,56
